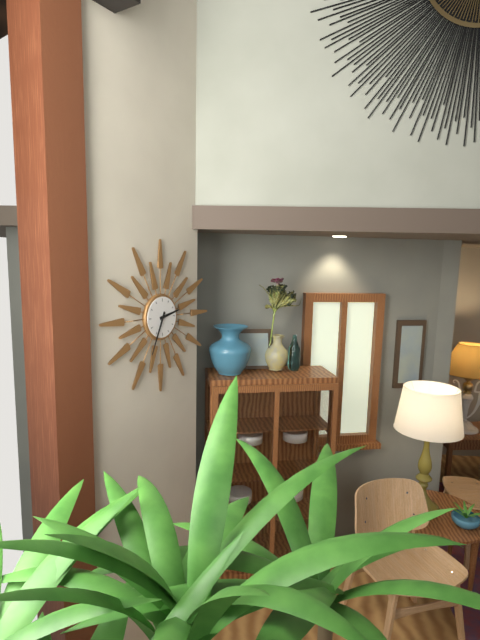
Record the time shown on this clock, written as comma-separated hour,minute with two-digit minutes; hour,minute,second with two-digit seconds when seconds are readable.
2,34
